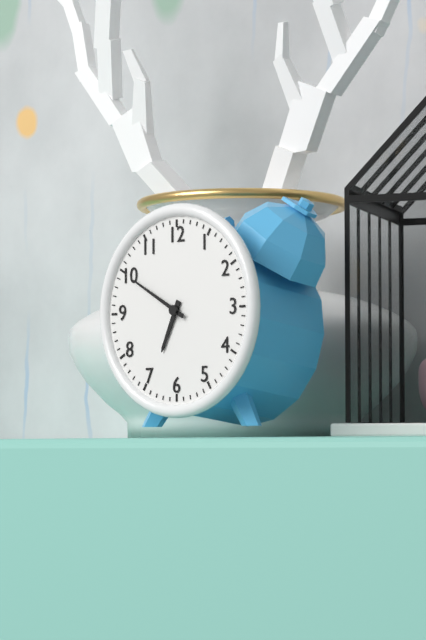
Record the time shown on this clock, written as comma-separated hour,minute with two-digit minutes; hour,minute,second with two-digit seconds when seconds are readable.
6,50
